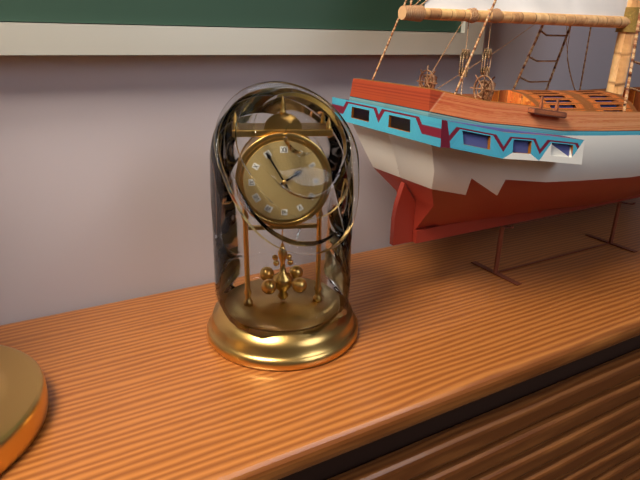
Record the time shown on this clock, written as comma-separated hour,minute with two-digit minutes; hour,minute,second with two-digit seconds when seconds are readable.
1,55
